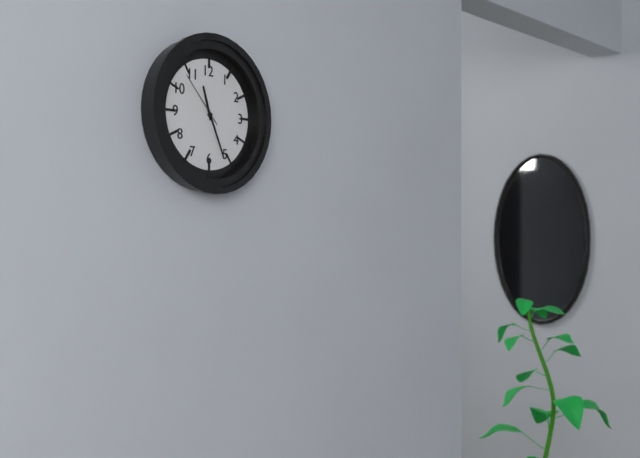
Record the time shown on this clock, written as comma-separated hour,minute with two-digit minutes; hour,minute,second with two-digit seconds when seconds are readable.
11,26,53
